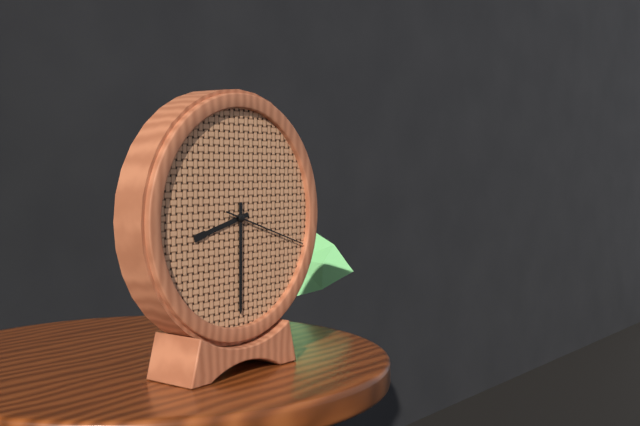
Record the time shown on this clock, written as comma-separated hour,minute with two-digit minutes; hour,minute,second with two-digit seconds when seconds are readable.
8,30,18
